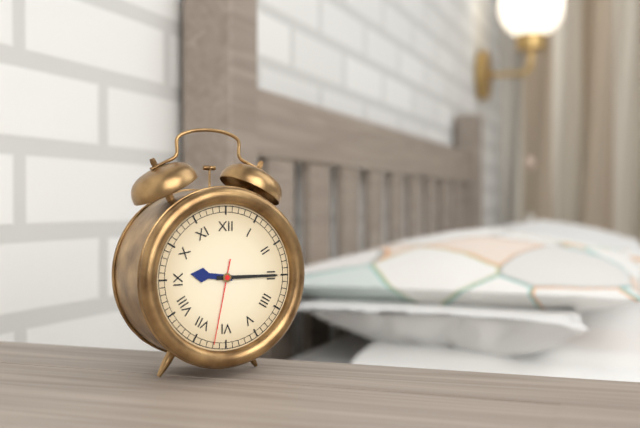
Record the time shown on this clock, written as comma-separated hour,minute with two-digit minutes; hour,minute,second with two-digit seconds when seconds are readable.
9,15,32
